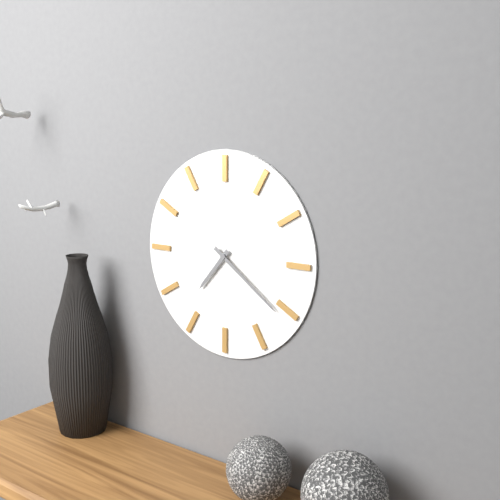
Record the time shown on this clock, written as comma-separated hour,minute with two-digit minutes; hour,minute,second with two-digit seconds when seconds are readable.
7,21
